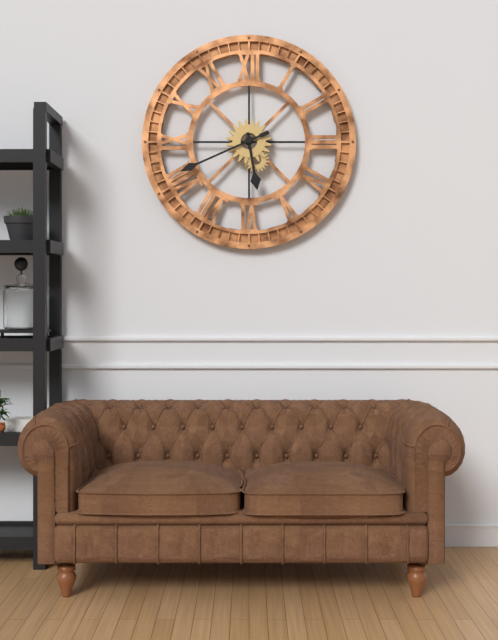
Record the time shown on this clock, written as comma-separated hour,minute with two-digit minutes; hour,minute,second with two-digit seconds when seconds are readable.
5,41
